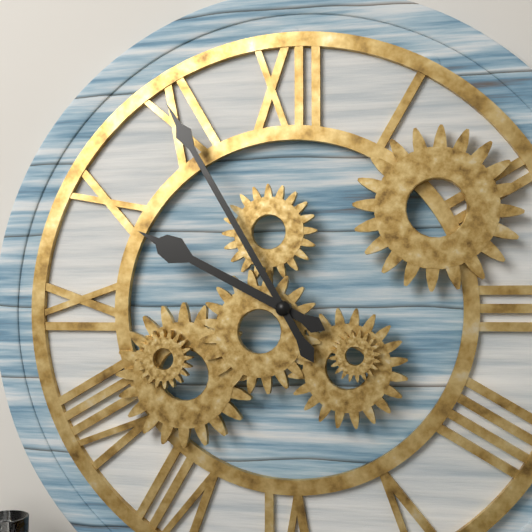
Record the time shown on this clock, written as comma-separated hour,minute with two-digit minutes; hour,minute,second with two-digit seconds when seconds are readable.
9,55
